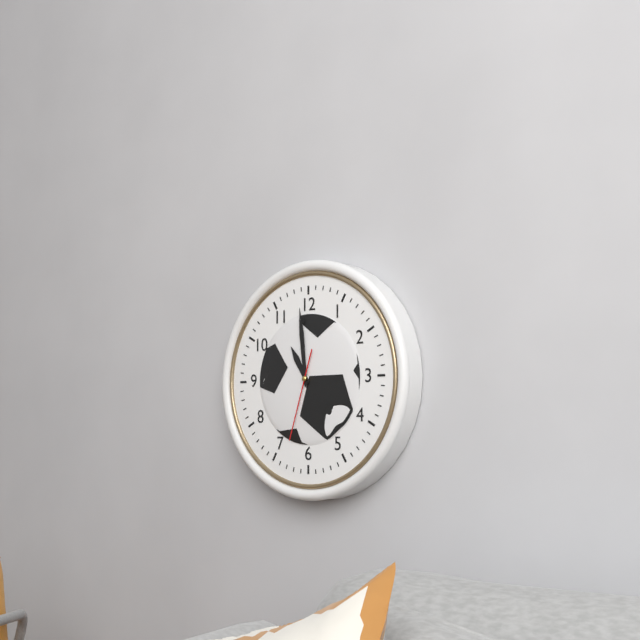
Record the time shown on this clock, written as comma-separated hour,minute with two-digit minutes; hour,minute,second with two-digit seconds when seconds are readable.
10,59,33
